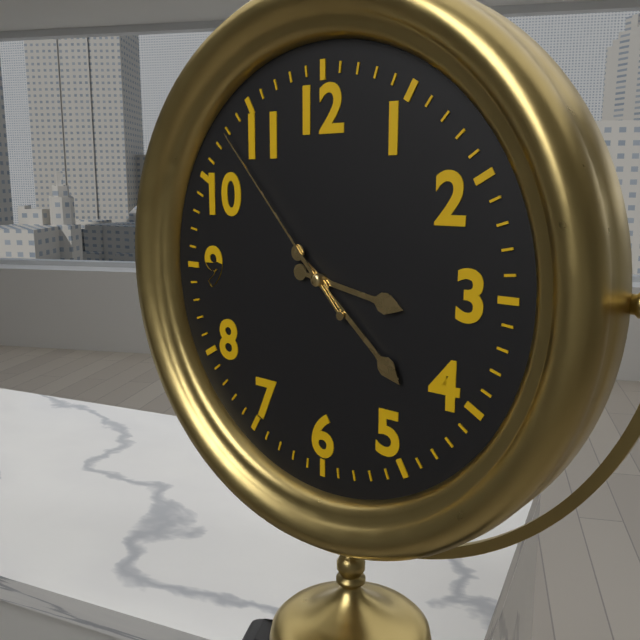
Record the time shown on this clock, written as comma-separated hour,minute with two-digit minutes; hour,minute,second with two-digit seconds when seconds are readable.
3,22,53
